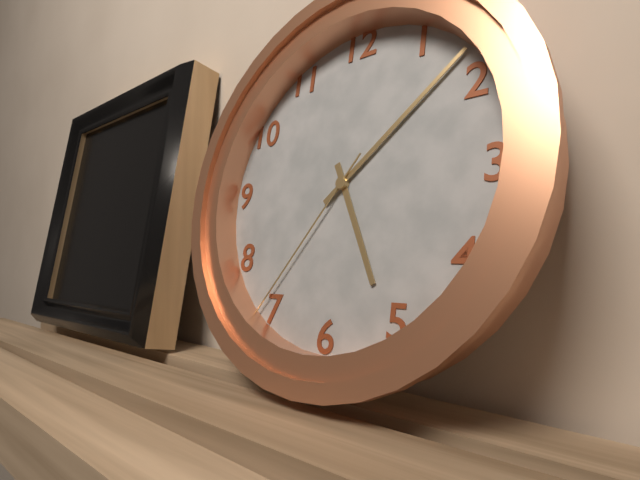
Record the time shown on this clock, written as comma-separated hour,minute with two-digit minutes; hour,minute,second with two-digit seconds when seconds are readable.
5,08,36
